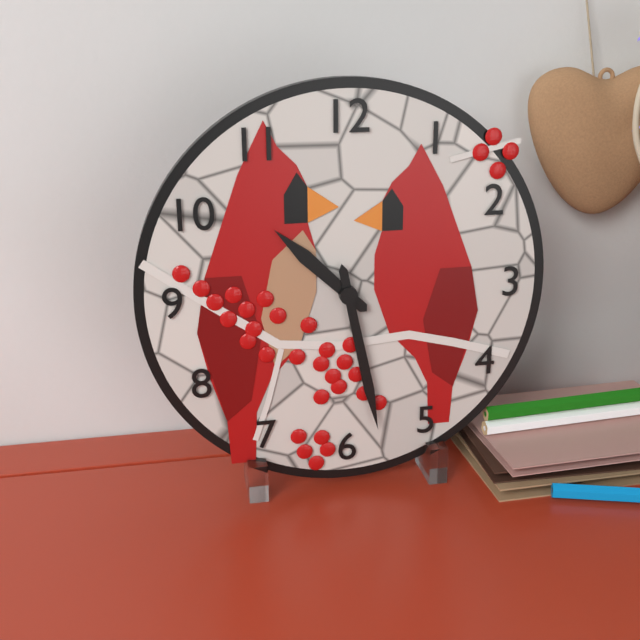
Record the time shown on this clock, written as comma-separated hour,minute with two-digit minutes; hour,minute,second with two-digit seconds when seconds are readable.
10,28
